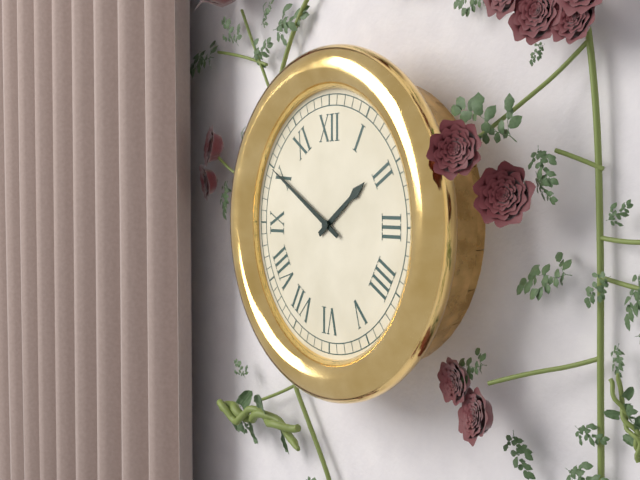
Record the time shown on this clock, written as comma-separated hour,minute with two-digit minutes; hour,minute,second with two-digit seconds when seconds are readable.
1,50
